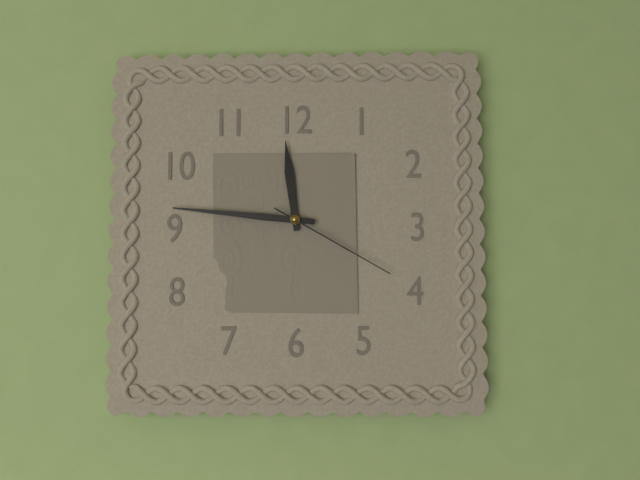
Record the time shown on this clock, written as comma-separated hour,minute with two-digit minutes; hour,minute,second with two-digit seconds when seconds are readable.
11,46,20
